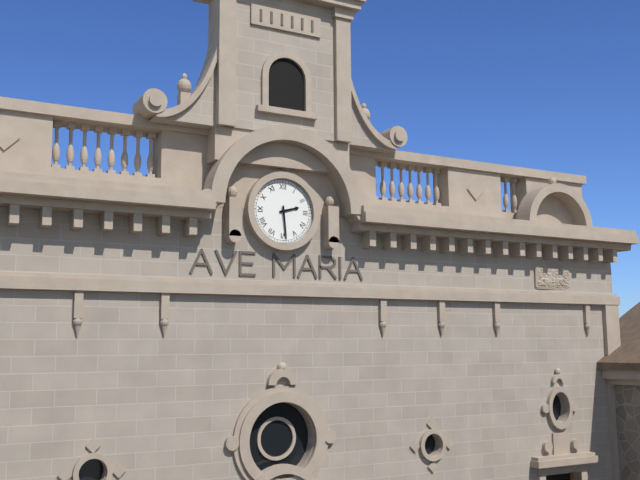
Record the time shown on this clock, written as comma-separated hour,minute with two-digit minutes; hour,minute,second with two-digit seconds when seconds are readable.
2,29
